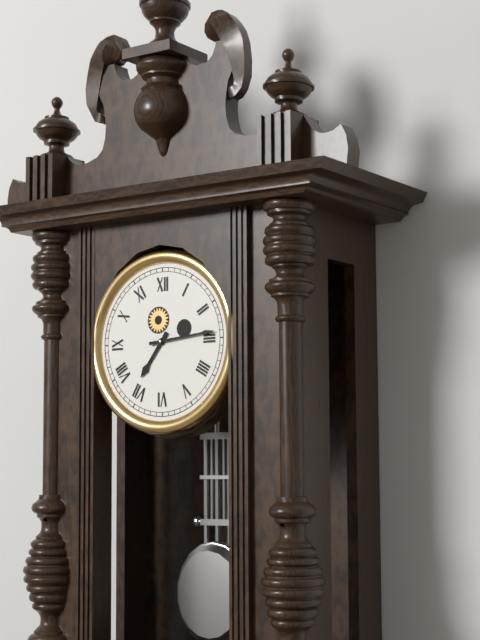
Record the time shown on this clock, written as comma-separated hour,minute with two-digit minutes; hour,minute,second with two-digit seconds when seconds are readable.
7,14
